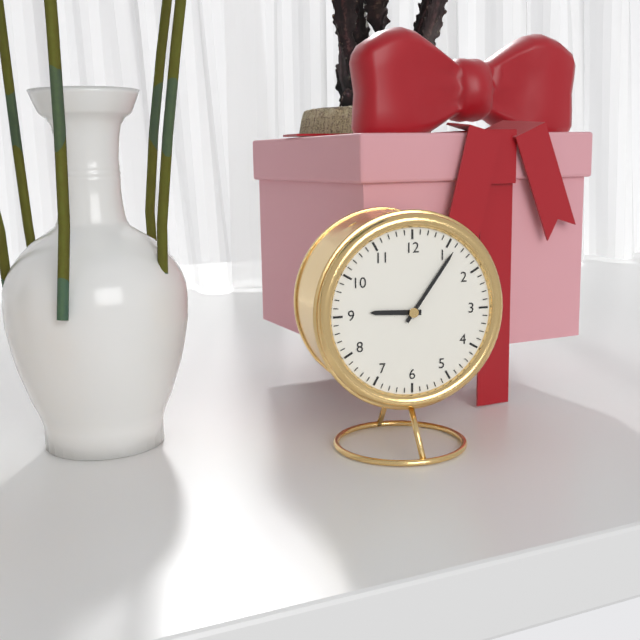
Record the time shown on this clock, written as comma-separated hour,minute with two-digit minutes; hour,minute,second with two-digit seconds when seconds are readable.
9,06
